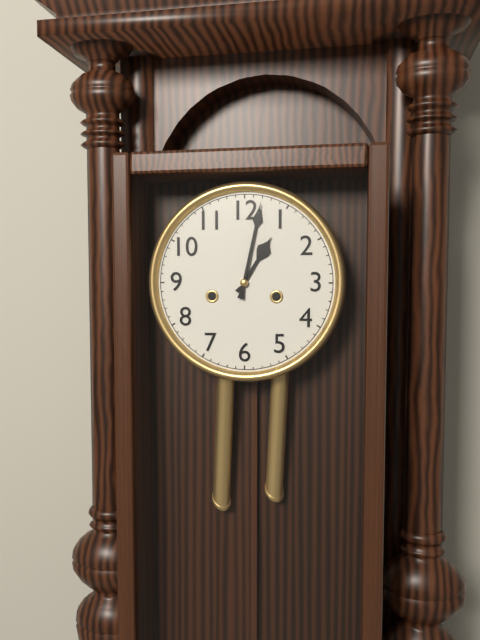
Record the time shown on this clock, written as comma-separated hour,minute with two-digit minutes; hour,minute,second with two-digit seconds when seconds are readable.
1,02
